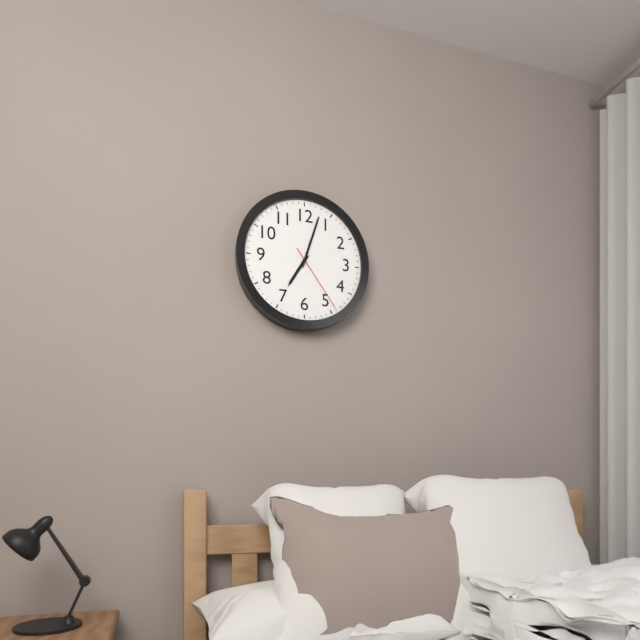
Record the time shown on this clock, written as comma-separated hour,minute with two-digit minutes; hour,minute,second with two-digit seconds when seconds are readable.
7,03,24
